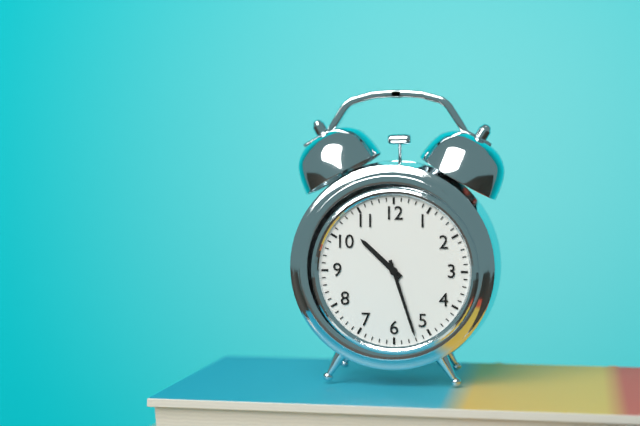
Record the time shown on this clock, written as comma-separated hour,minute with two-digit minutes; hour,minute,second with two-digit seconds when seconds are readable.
10,27
